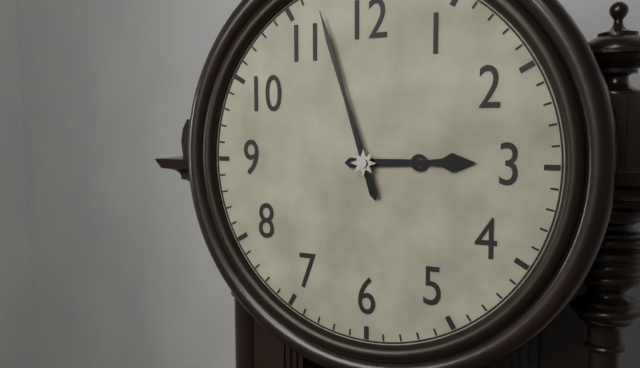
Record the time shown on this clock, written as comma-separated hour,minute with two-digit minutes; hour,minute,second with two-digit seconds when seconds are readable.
2,57
